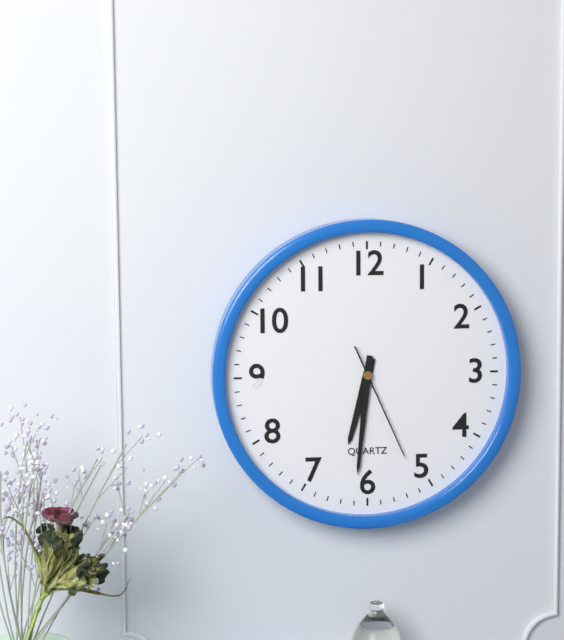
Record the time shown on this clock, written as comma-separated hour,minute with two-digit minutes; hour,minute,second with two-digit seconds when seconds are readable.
6,31,26
